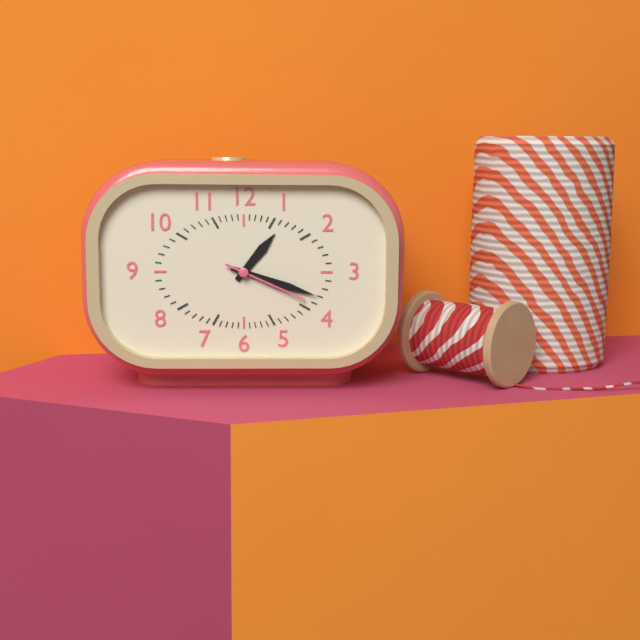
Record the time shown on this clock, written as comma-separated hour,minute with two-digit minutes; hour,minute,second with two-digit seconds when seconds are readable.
1,18,19
